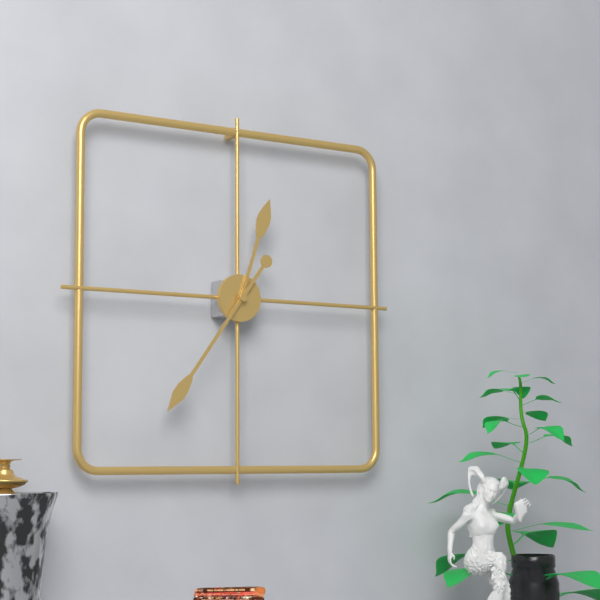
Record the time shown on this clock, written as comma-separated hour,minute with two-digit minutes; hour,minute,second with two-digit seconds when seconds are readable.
12,36
